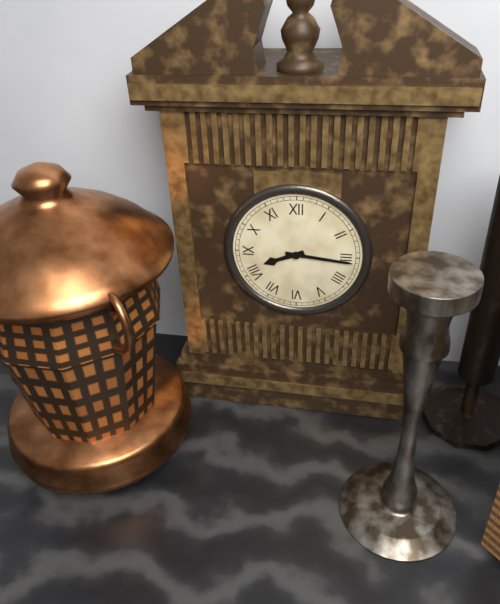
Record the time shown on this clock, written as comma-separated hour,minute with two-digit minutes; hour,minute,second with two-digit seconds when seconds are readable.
8,16
